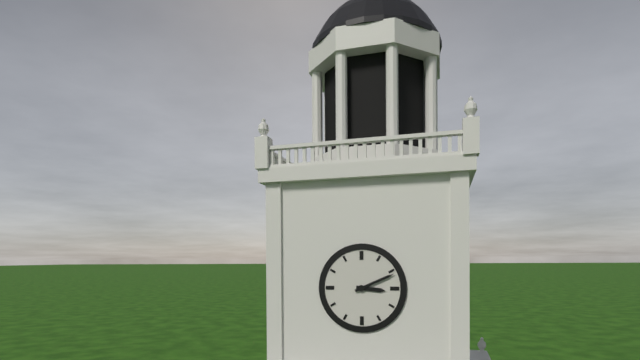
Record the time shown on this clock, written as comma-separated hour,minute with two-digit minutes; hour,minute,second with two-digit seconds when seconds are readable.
3,11
